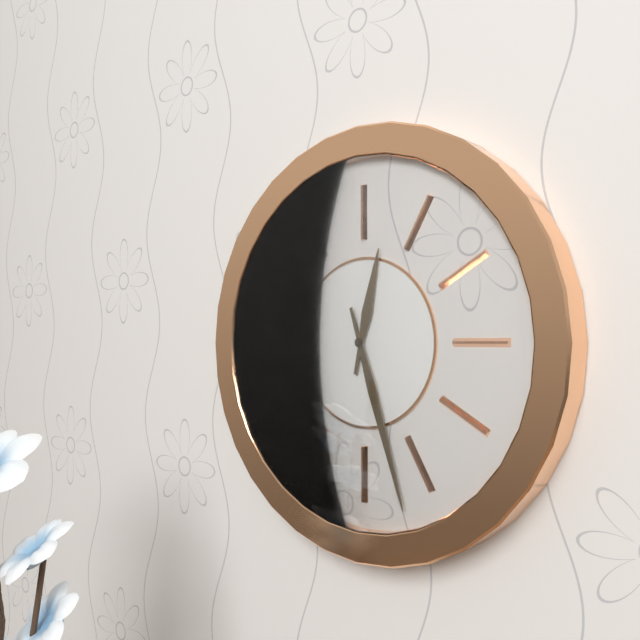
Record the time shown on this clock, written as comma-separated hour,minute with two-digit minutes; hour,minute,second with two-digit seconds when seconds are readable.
12,27
